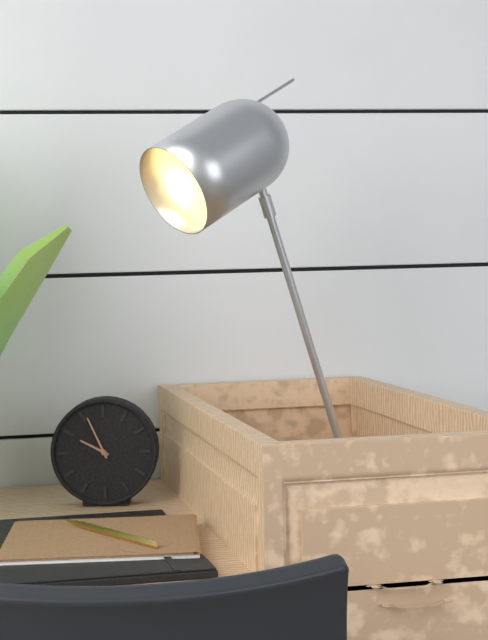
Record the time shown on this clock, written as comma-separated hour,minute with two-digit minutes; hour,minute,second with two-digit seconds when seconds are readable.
9,56
